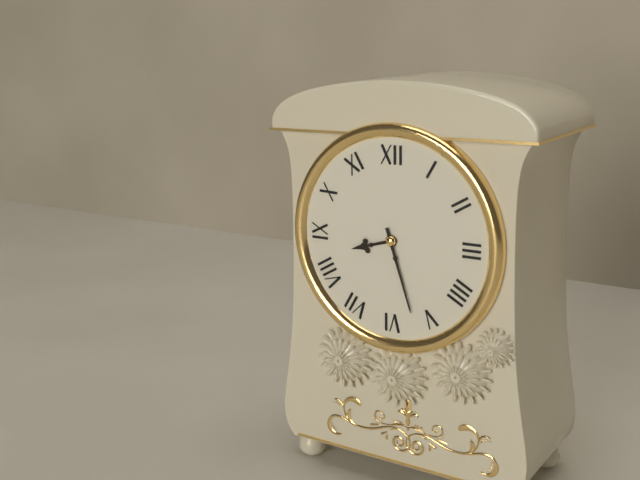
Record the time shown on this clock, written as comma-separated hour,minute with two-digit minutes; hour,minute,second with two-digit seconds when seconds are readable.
8,27
